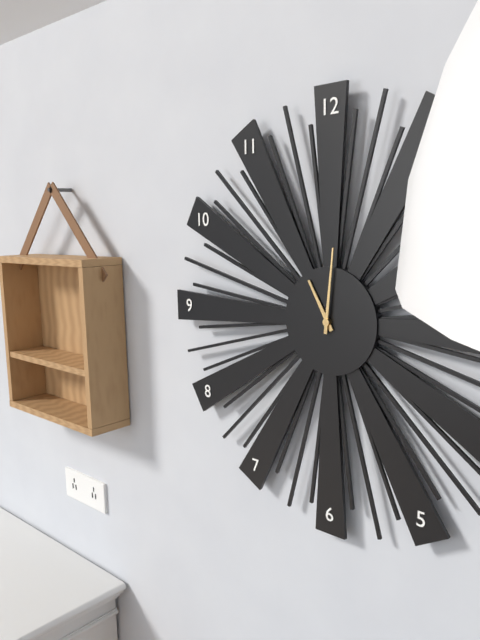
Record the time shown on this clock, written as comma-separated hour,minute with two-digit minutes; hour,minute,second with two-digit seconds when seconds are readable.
11,01
